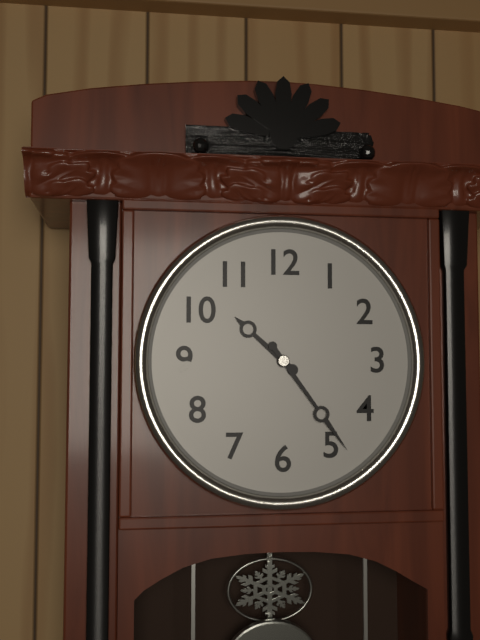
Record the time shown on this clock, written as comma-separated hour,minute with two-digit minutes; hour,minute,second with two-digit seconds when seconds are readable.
10,24
